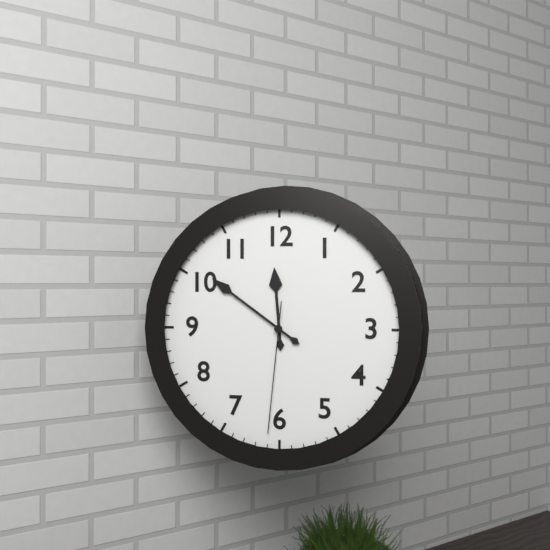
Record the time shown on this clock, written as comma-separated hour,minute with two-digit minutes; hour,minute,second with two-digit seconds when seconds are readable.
11,51,31
